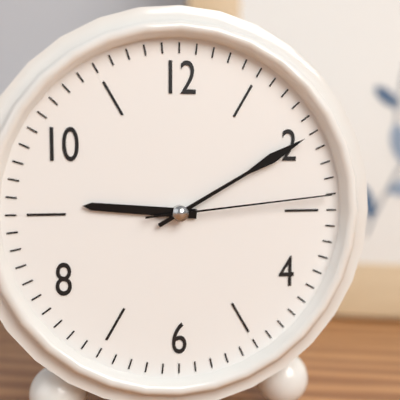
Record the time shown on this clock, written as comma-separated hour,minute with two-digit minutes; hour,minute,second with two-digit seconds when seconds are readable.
9,10,14
